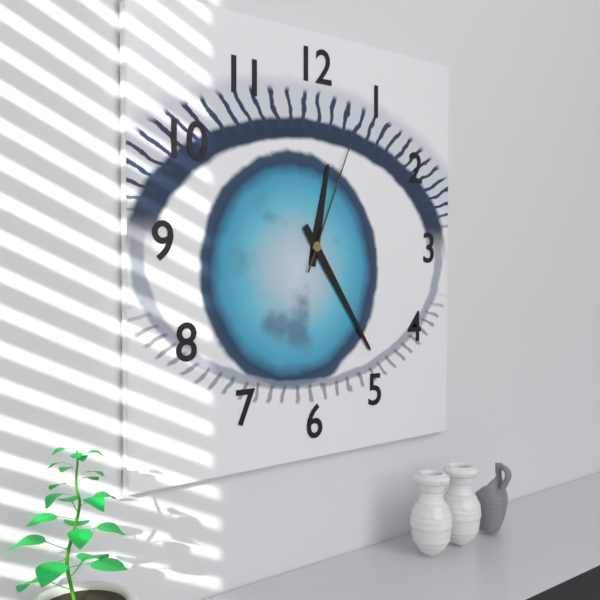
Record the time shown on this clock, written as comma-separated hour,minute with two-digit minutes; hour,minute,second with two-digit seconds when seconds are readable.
12,24,04
